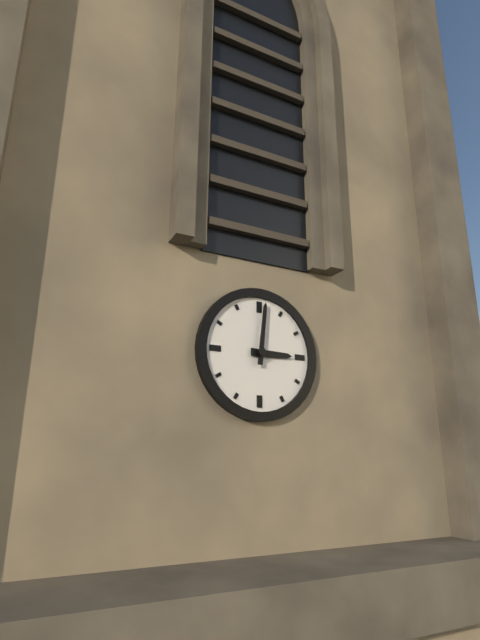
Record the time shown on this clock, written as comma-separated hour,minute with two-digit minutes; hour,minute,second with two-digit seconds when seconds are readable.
3,01
